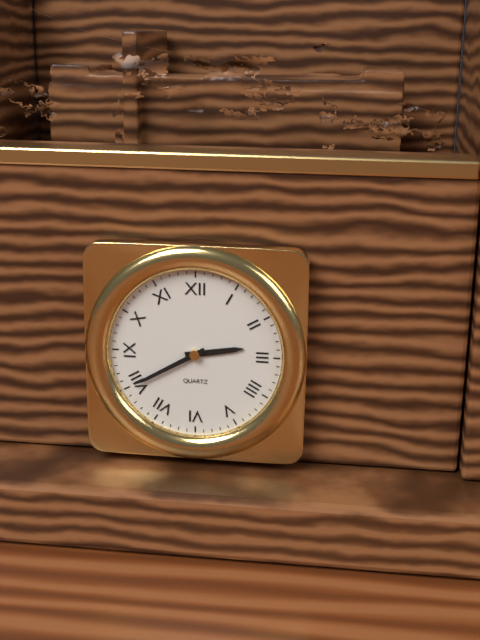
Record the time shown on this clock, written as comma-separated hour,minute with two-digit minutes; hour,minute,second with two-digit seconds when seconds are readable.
2,40
